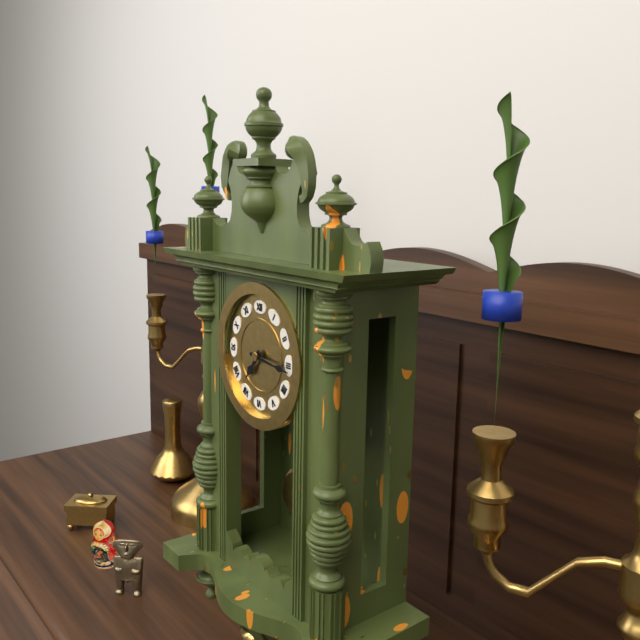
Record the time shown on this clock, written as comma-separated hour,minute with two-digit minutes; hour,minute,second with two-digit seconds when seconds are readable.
7,16
